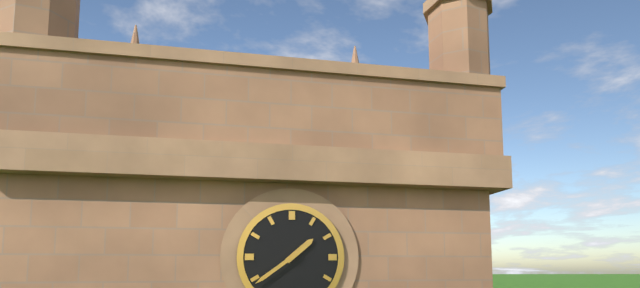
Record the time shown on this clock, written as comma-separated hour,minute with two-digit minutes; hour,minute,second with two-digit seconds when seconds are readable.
1,39
